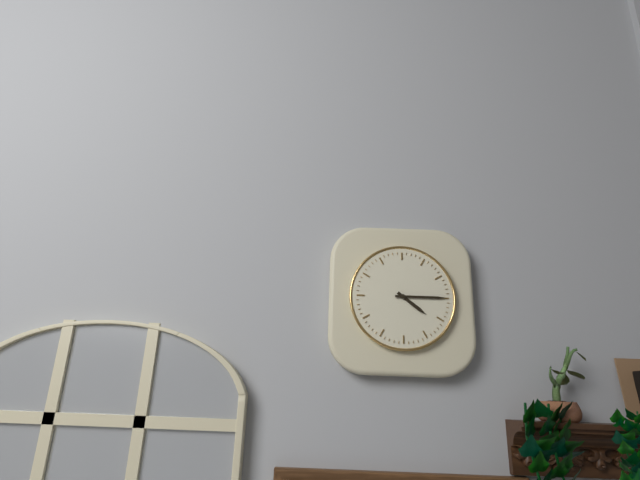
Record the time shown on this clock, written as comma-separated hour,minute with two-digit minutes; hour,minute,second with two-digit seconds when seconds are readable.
4,15
